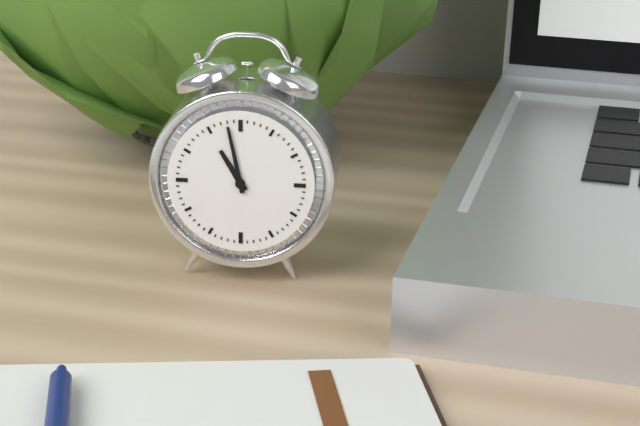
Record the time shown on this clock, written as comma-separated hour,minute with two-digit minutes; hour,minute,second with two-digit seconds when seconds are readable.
10,58
